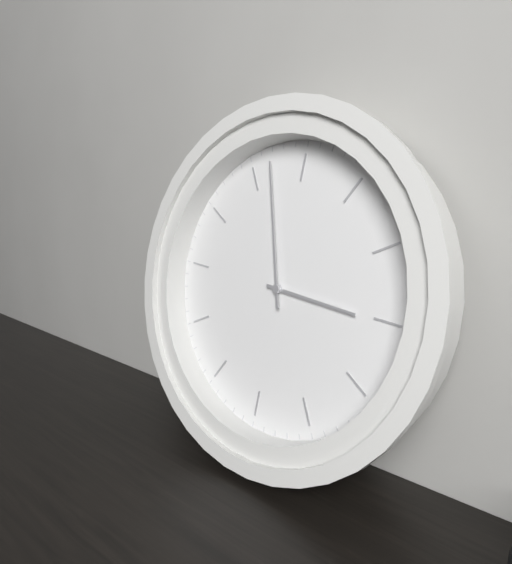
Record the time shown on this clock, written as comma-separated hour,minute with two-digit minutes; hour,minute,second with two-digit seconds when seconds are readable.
4,02
